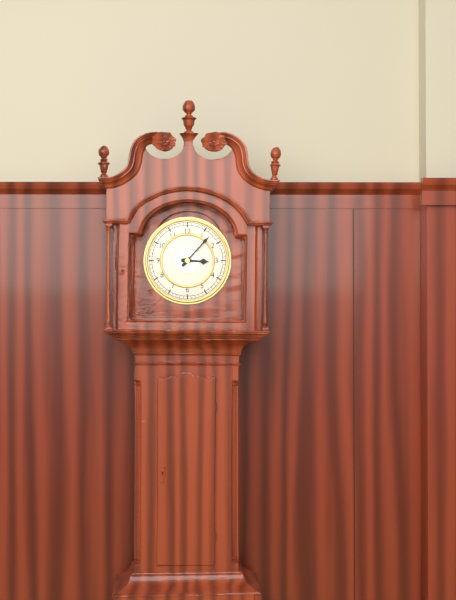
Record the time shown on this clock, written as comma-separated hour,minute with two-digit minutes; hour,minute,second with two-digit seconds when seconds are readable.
3,07
